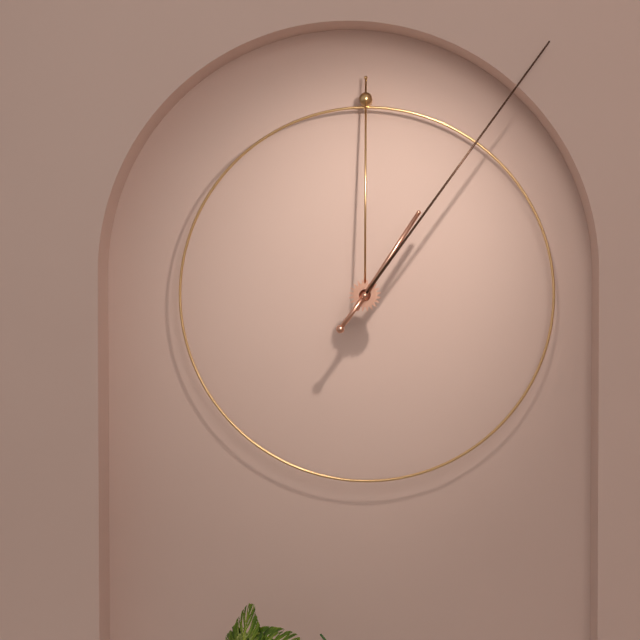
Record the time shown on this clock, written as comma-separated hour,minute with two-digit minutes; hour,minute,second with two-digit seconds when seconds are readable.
1,06
